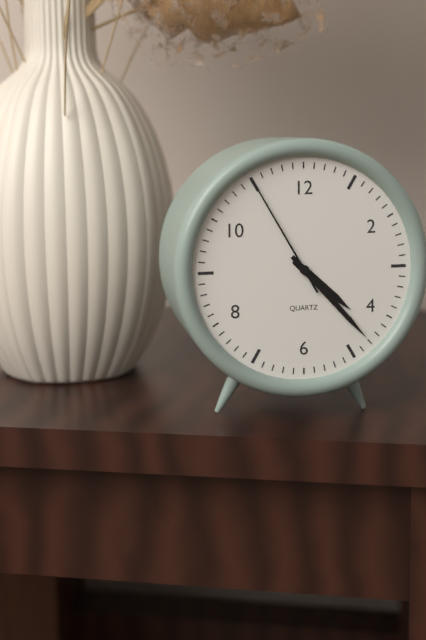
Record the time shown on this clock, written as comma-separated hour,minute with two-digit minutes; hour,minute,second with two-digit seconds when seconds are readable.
4,23,55
